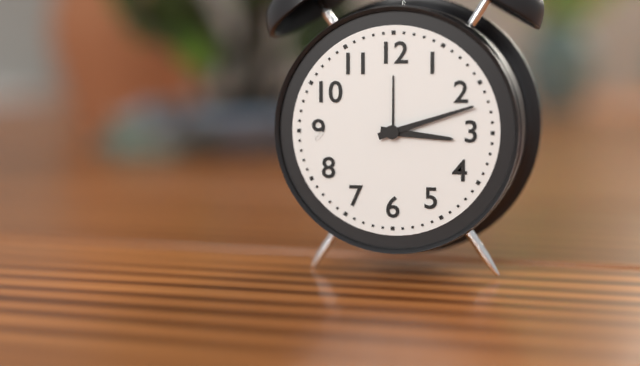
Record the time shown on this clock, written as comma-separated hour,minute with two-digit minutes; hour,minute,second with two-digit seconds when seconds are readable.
3,12
